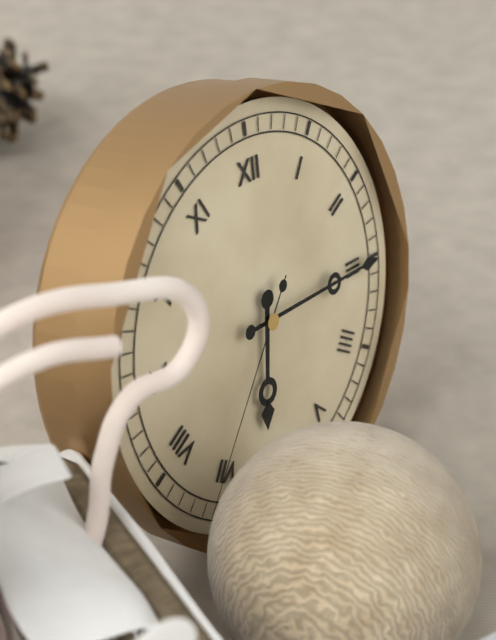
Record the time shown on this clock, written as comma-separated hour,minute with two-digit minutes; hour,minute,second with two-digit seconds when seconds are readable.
6,15,36
